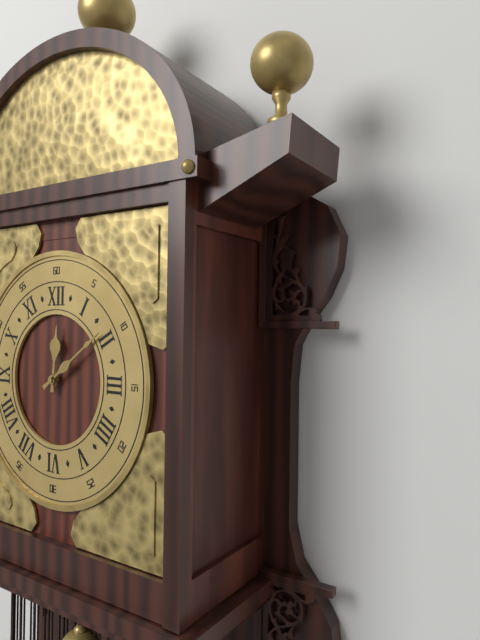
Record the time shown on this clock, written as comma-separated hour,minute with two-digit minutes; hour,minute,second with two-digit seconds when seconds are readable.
12,09
